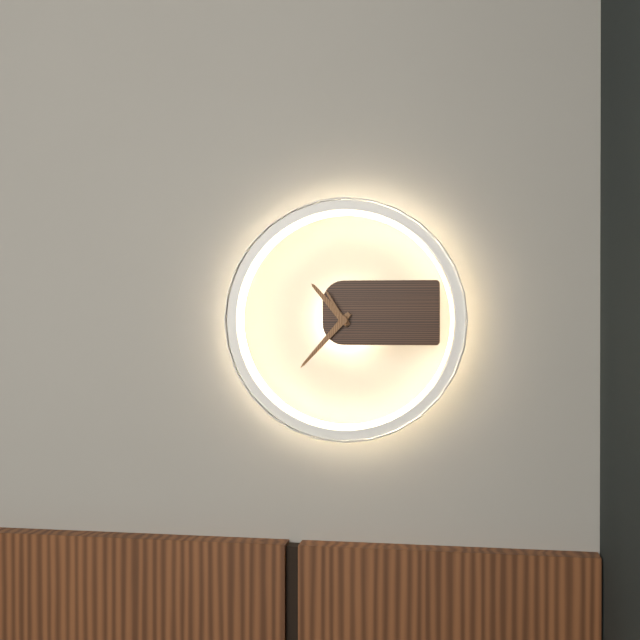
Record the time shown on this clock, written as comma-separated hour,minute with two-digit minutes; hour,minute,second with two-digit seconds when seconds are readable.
10,37
